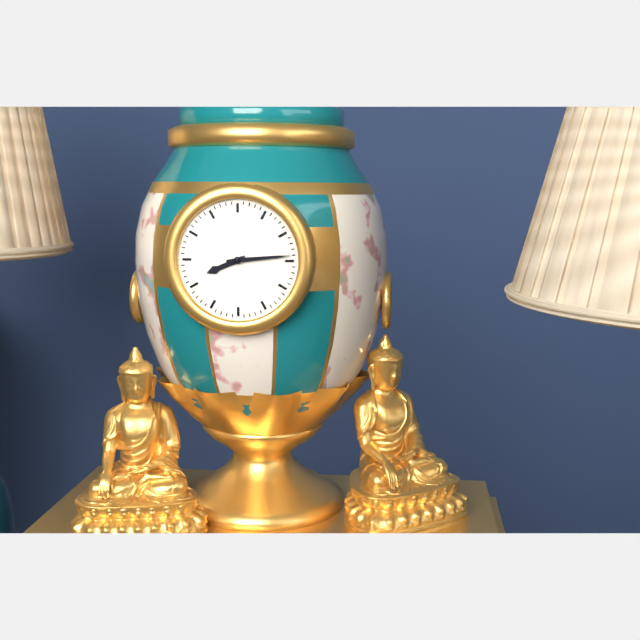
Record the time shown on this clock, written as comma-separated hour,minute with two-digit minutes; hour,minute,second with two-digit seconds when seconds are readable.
8,14
